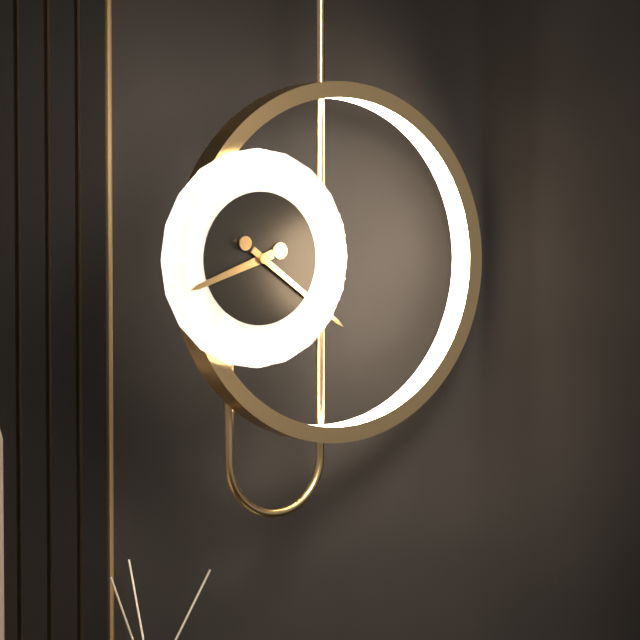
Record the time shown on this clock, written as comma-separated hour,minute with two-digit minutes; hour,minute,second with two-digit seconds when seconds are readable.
8,21
